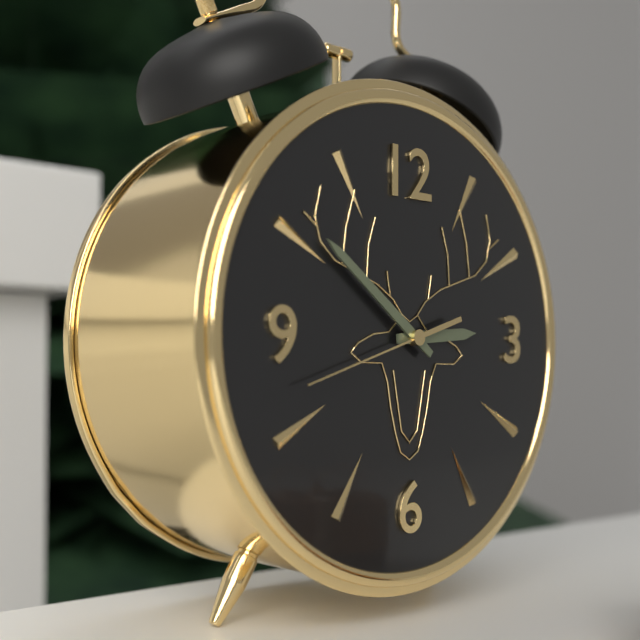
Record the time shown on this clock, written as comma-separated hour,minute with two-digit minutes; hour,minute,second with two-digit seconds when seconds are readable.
2,51,42
